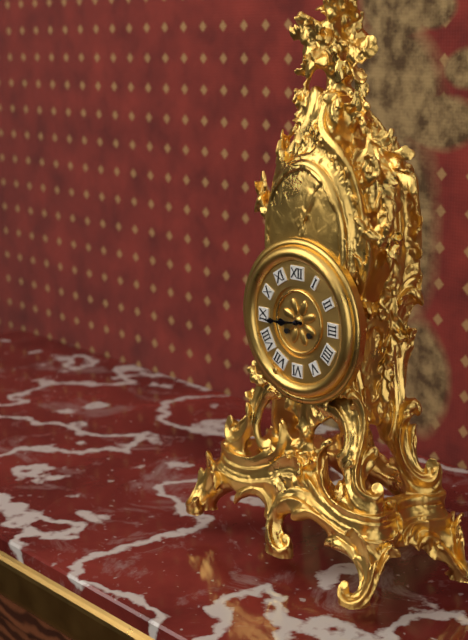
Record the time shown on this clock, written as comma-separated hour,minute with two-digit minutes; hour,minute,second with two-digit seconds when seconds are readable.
8,44
